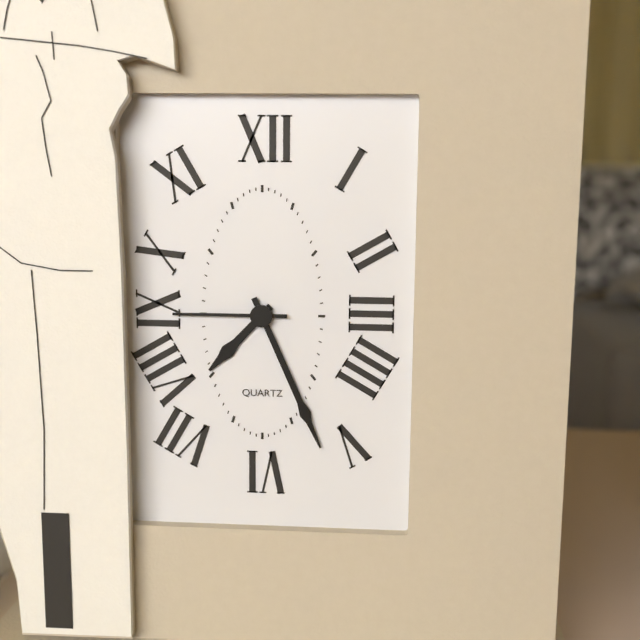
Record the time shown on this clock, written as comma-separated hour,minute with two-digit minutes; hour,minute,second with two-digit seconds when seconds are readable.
7,26,45
